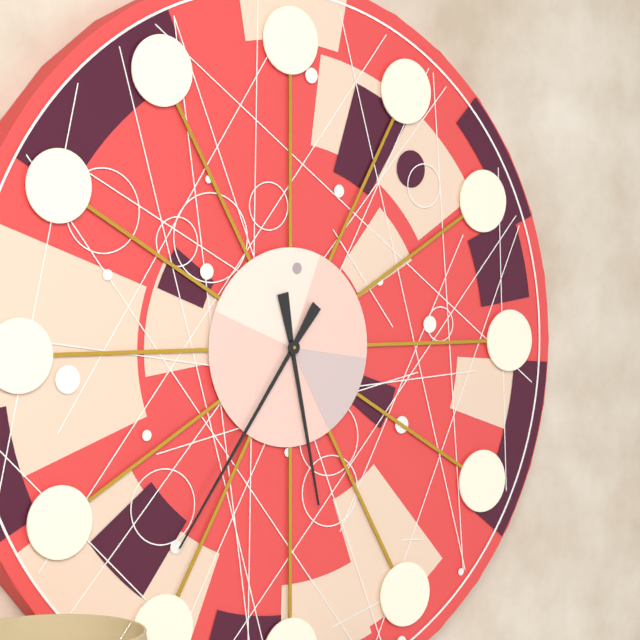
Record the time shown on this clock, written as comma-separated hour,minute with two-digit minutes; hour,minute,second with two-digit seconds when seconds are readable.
5,36
